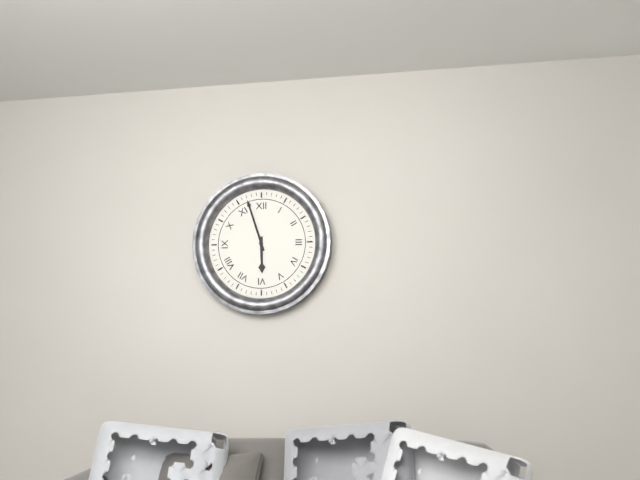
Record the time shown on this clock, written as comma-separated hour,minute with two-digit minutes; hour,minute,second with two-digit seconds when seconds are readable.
5,57
